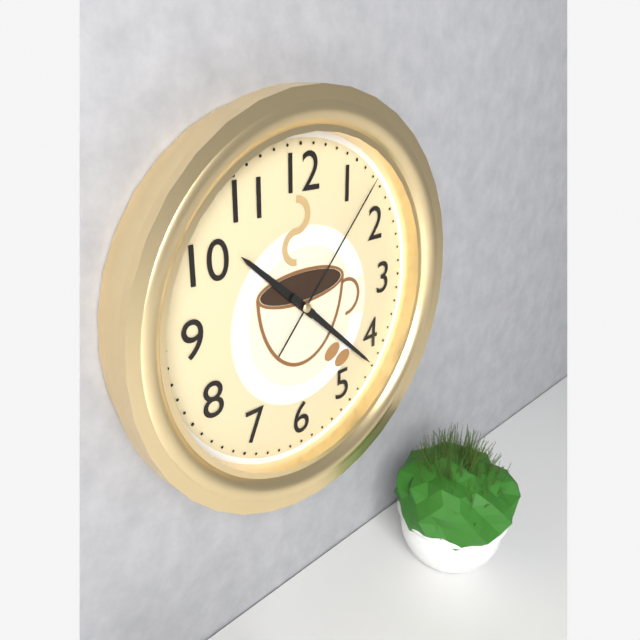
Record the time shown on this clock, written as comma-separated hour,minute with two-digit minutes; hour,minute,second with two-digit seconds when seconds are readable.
10,22,07
